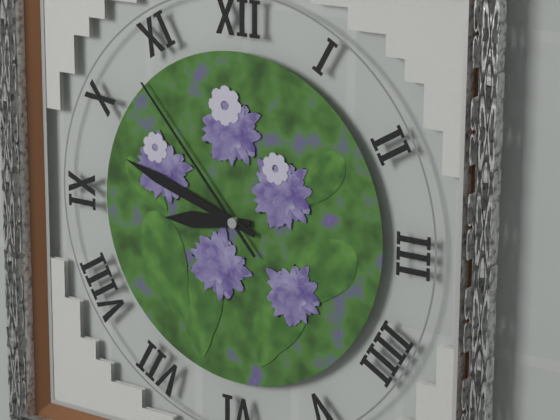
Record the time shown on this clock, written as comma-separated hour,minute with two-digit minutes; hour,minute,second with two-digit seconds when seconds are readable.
8,48,53
